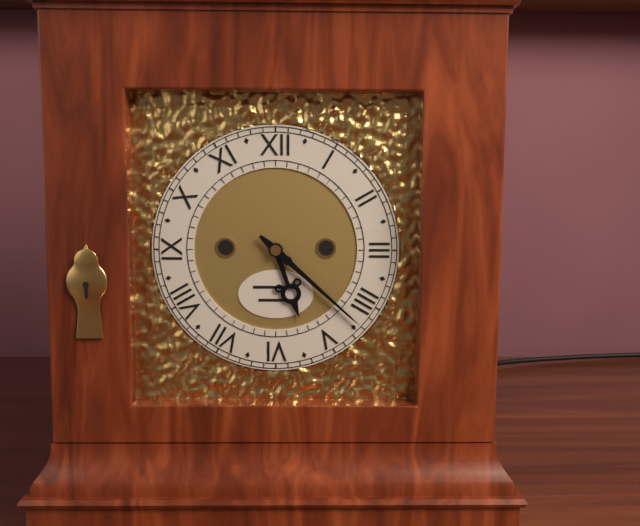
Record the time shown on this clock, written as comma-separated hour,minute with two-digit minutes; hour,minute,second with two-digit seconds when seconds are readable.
5,22
